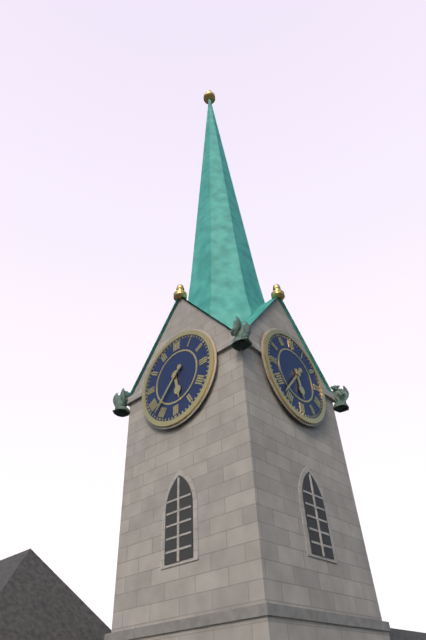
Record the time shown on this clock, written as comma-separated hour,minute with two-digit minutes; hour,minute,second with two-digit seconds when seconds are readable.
5,37
